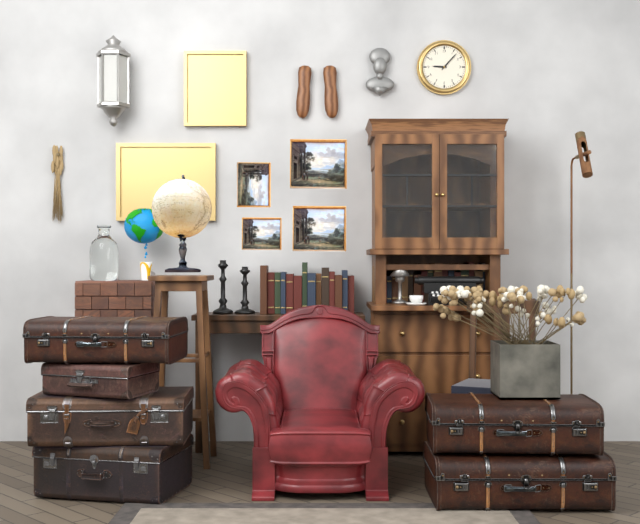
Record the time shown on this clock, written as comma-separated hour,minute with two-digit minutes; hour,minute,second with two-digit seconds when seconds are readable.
9,07
